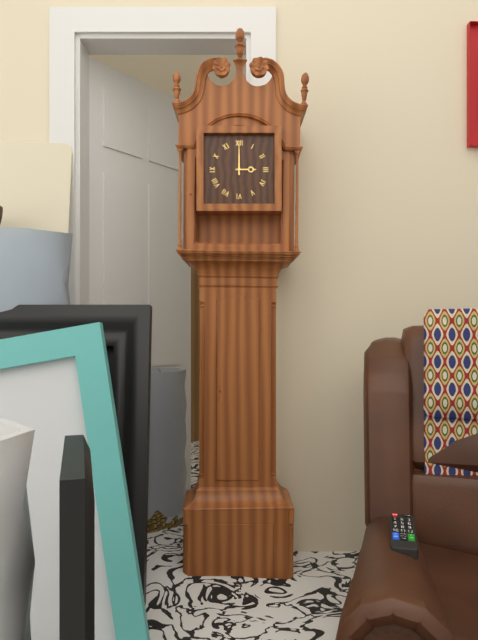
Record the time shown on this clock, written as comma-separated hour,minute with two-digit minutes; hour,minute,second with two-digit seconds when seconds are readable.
3,00
